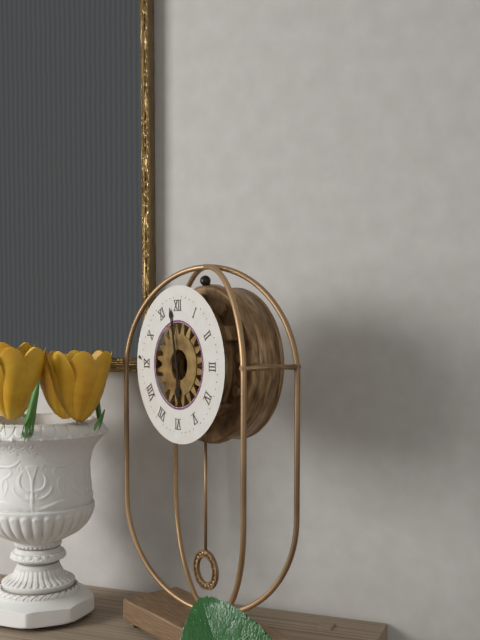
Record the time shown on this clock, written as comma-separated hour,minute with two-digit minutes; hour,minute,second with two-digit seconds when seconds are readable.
5,58
